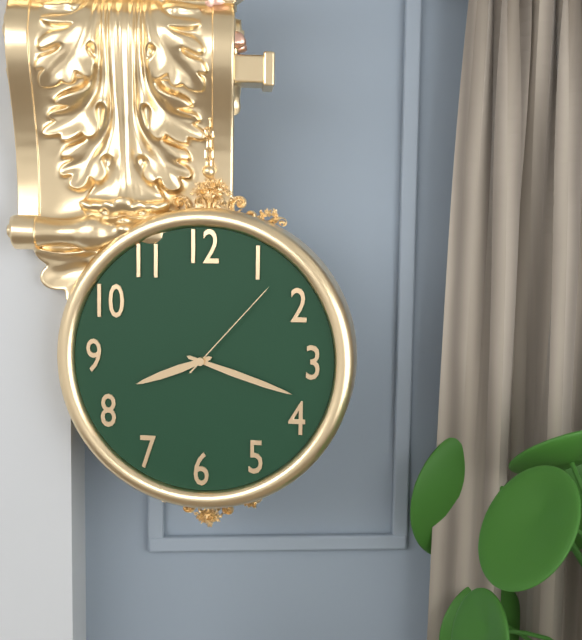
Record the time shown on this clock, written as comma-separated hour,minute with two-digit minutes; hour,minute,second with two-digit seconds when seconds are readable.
8,18,07
